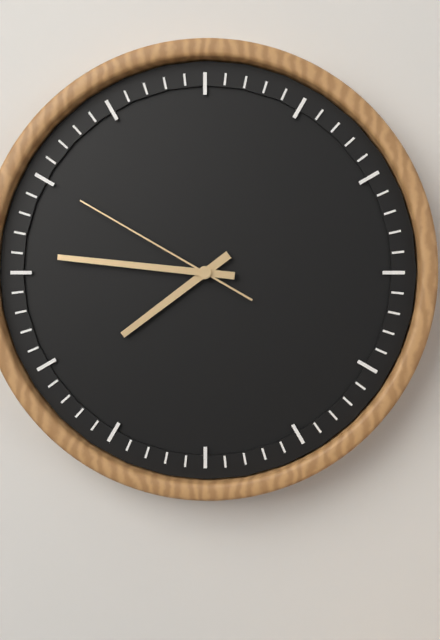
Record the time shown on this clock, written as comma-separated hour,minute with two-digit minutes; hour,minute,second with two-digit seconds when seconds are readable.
7,46,50
